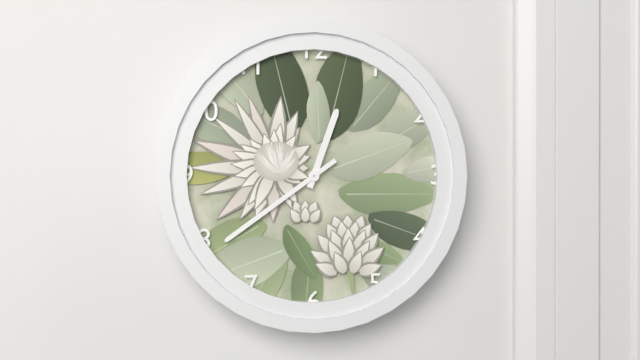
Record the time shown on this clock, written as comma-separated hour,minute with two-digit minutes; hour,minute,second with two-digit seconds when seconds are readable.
12,39
